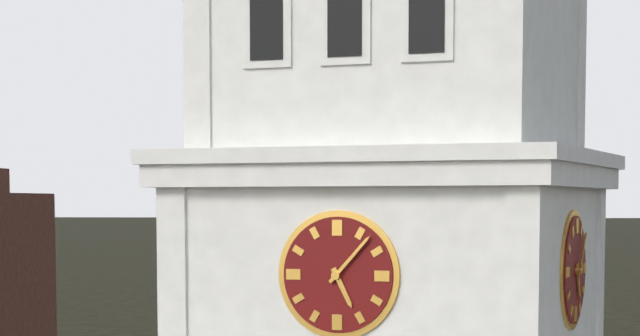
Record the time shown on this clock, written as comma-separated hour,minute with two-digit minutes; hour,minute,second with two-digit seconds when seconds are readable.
5,07
